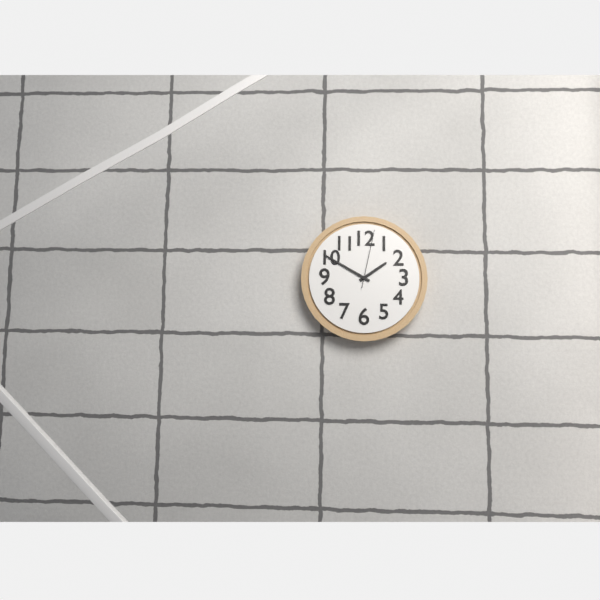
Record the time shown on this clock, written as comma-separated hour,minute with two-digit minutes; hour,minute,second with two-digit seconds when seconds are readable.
1,50,02
